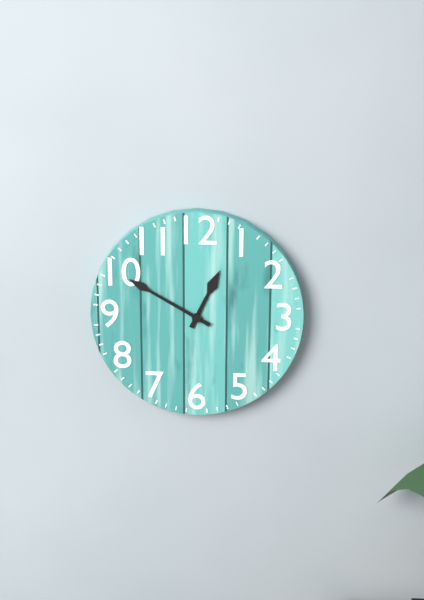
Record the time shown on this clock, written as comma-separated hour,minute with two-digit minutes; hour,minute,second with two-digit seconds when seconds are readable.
12,50
